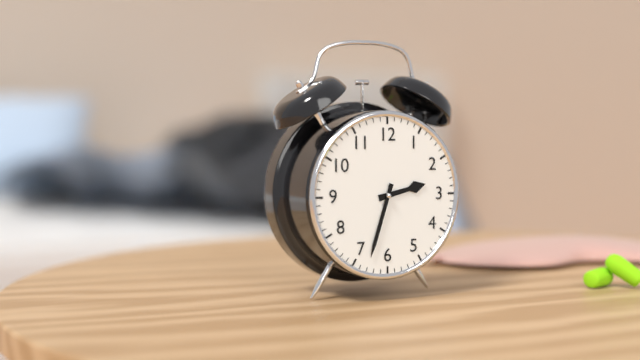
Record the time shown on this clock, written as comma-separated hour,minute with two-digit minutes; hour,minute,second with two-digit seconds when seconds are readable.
2,33
